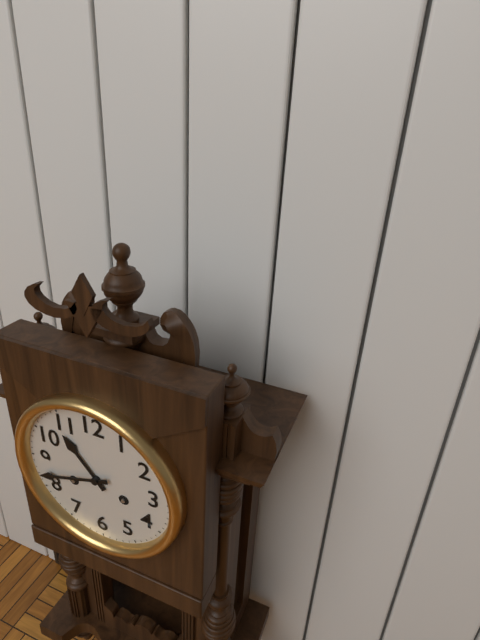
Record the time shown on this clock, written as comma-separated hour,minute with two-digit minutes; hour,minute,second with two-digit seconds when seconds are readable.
10,42
